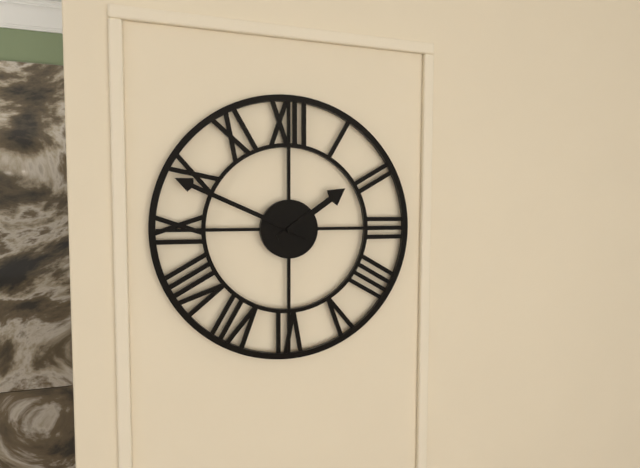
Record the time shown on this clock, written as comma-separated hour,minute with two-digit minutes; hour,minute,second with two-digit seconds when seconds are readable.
1,49
